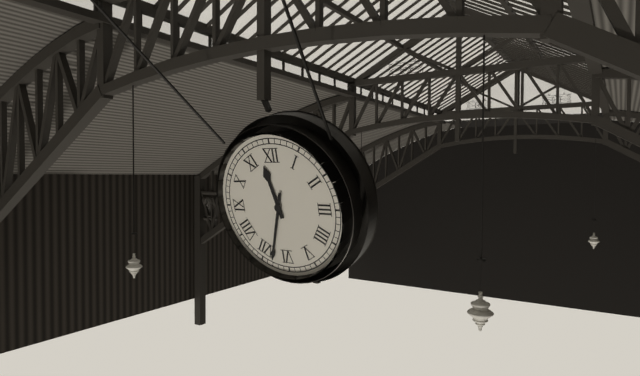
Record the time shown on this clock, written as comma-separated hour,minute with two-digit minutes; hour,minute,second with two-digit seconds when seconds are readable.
11,33
